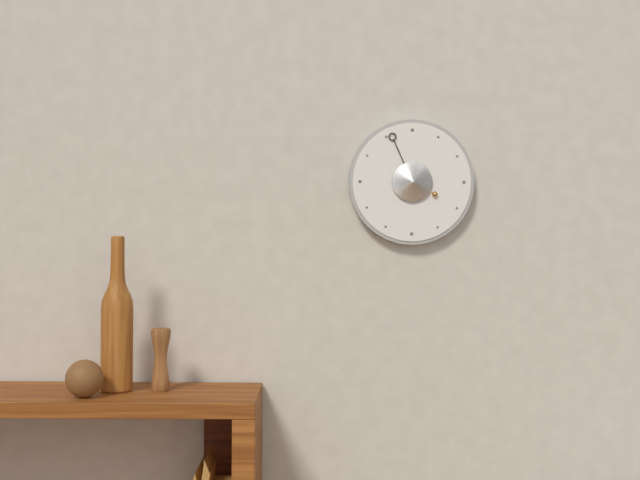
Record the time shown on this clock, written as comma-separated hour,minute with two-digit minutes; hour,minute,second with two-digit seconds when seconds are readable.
3,56
